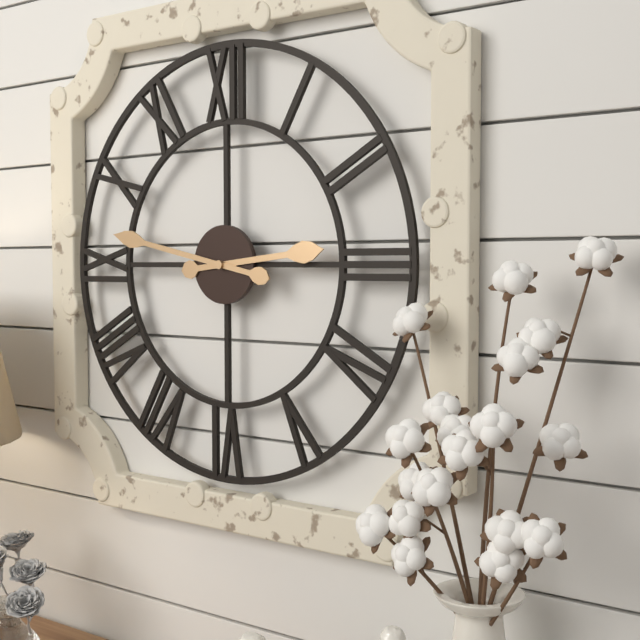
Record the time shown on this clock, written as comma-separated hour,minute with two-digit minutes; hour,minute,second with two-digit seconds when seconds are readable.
2,47
